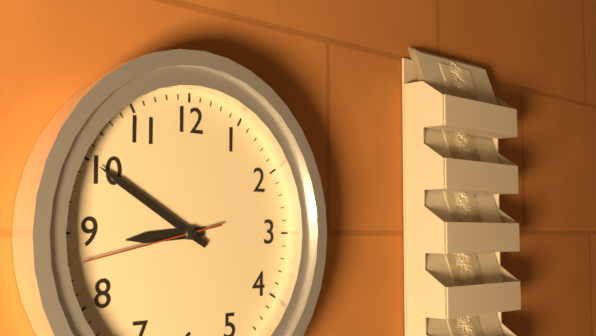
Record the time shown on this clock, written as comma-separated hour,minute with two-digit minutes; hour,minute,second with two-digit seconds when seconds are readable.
8,50,43
